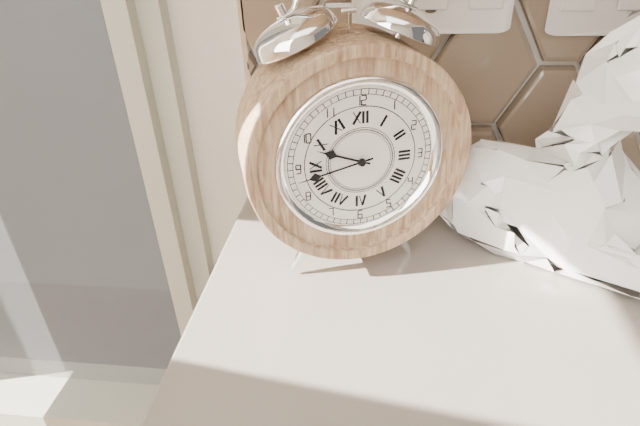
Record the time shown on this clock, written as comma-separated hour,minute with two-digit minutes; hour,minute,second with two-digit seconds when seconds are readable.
9,43
